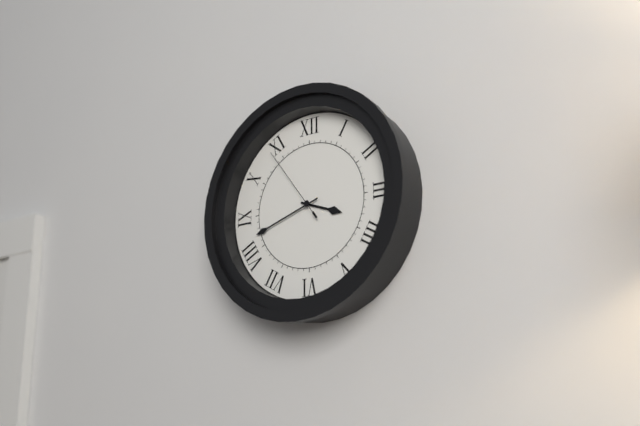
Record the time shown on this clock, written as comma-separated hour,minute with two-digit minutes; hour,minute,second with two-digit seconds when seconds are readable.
3,42,54
